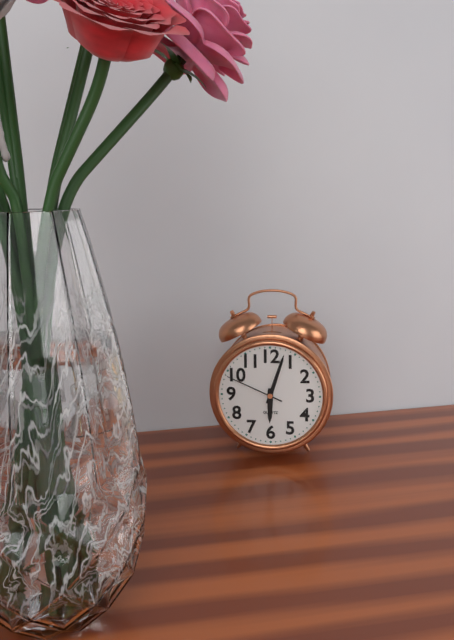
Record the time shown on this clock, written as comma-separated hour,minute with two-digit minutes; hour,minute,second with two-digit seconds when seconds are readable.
6,03,49
